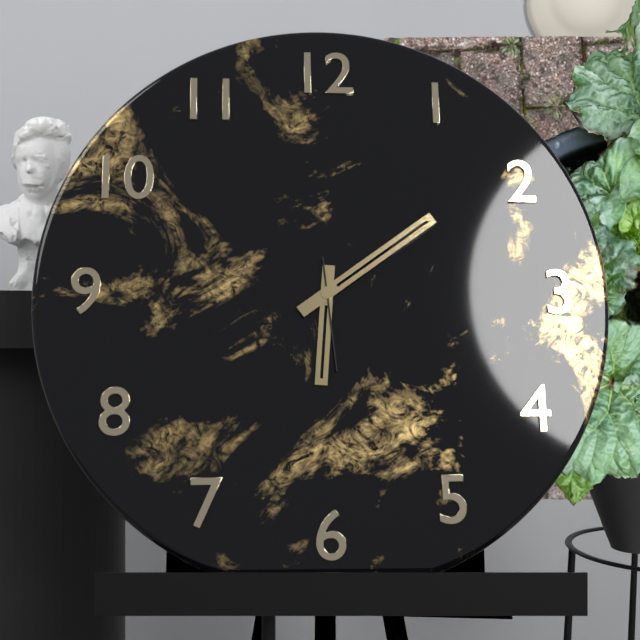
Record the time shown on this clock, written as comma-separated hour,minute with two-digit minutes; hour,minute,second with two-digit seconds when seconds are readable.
6,09,29
